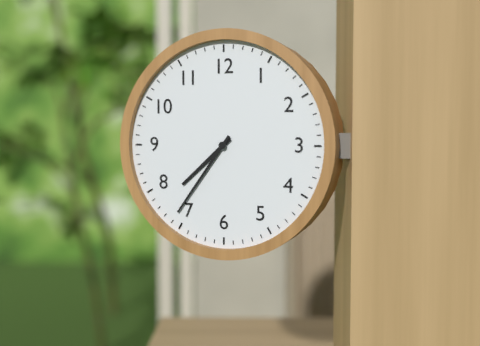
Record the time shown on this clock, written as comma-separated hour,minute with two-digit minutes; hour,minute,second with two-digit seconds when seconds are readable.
7,36
